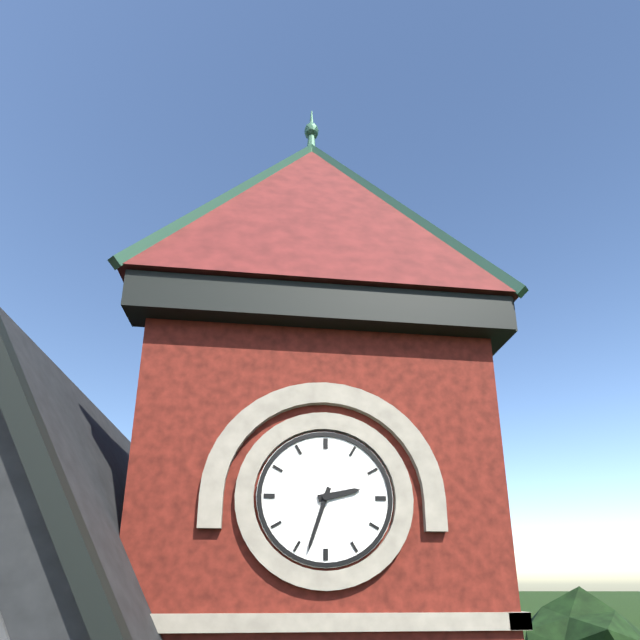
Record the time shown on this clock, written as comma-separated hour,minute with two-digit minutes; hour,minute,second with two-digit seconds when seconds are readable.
2,33
